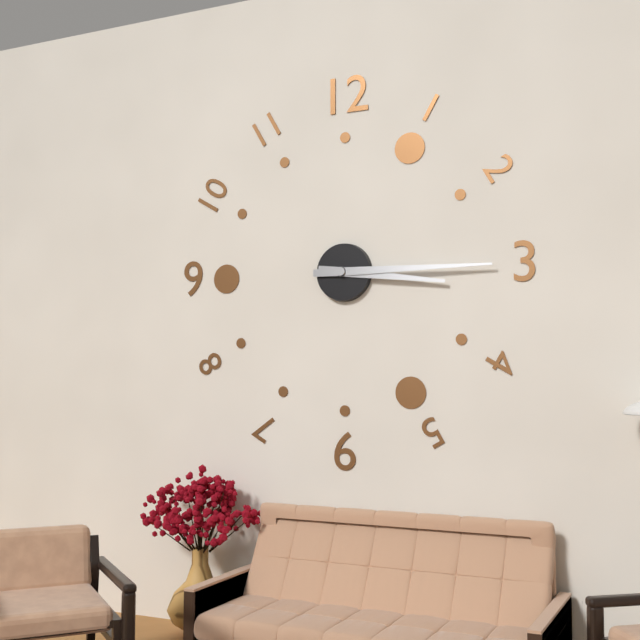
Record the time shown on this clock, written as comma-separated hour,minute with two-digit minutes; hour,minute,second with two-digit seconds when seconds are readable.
3,15
